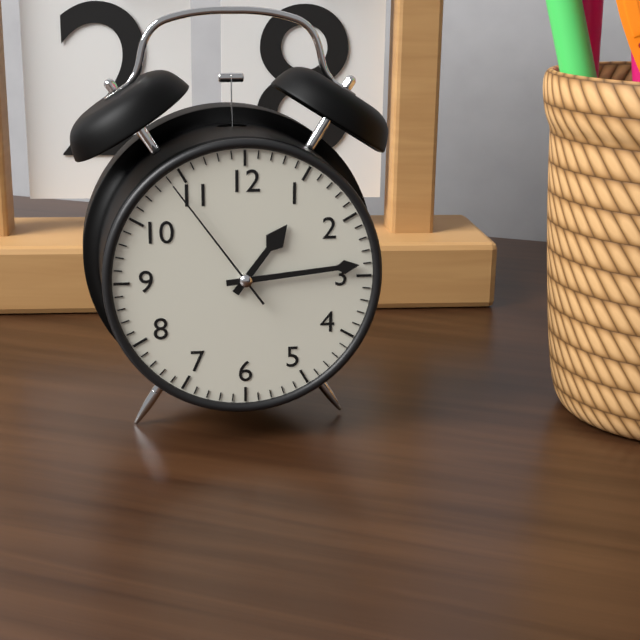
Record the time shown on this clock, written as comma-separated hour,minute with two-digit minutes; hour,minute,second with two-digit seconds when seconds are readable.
1,14,54
